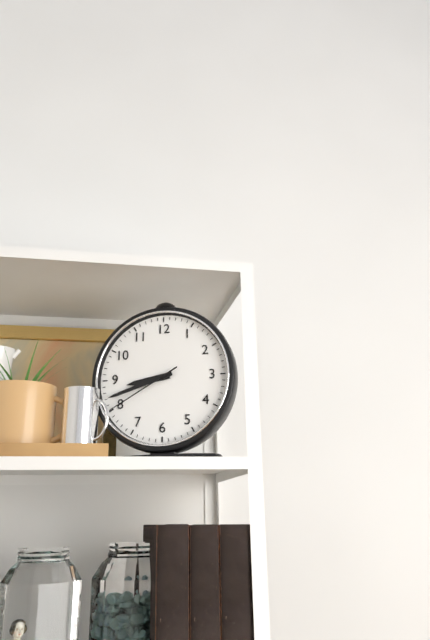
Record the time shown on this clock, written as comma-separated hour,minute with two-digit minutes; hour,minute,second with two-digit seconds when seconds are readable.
8,42,40
